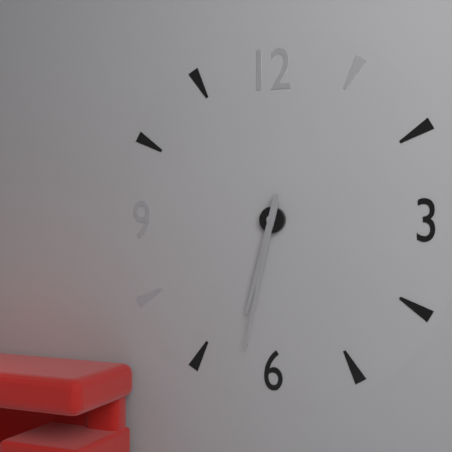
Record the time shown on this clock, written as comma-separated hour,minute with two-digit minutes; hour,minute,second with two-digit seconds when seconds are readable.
6,32
